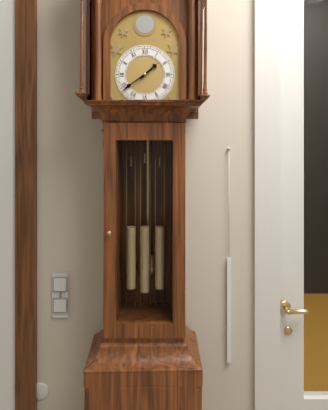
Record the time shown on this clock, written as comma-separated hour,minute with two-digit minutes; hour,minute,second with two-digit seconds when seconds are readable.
1,39
